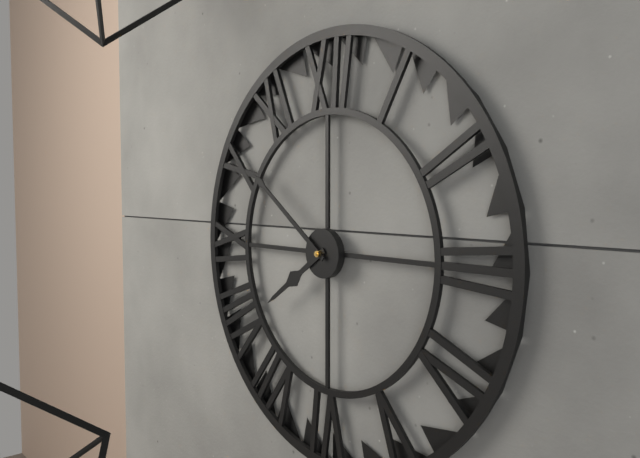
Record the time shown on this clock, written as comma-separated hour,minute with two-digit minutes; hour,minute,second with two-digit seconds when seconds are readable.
7,51
